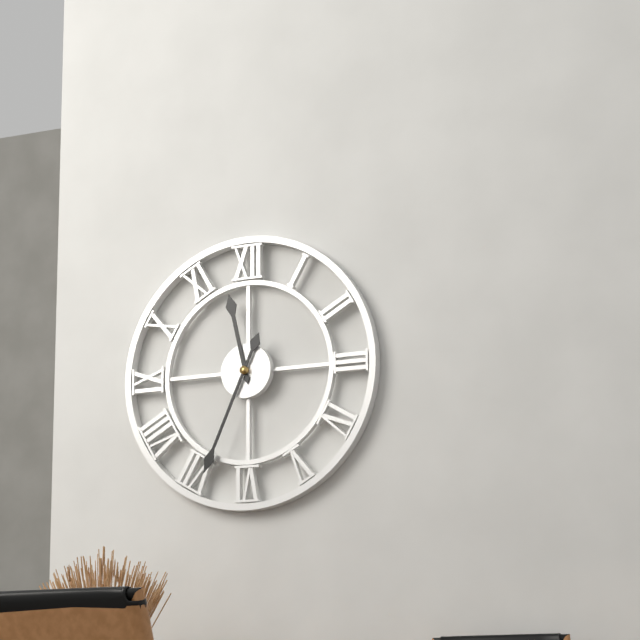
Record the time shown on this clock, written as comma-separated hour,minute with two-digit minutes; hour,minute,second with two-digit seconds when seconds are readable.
11,34
